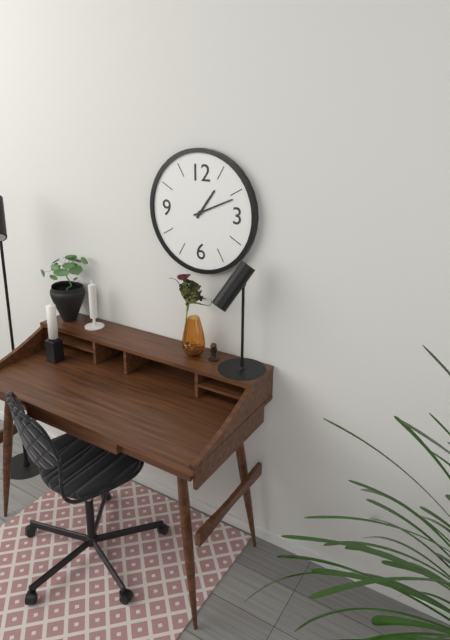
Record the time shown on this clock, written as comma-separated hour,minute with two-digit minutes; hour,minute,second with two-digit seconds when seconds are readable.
1,11
